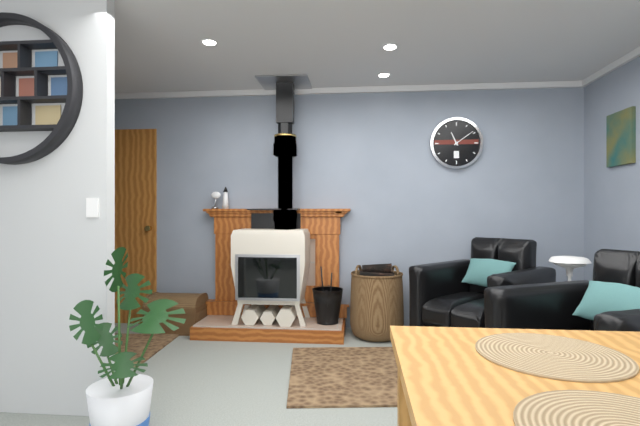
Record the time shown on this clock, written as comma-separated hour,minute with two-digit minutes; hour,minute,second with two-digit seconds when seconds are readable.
11,09
